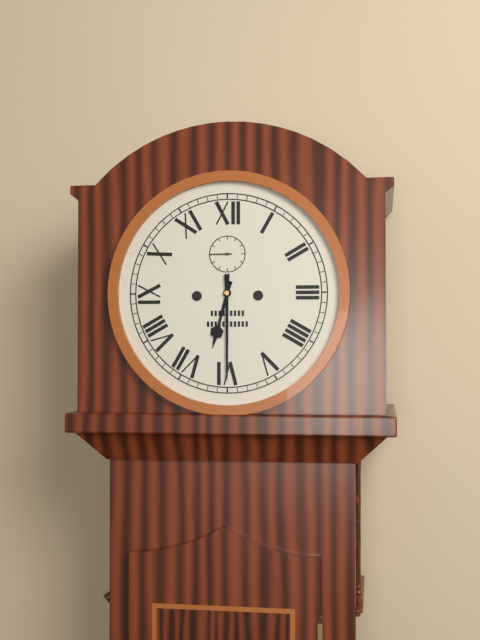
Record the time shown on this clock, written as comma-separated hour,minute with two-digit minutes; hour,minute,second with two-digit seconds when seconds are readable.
6,30
